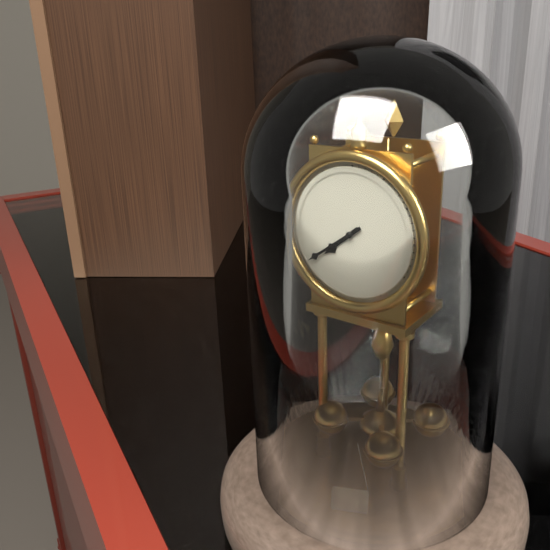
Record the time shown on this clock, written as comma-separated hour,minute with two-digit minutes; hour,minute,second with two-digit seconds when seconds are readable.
7,39
